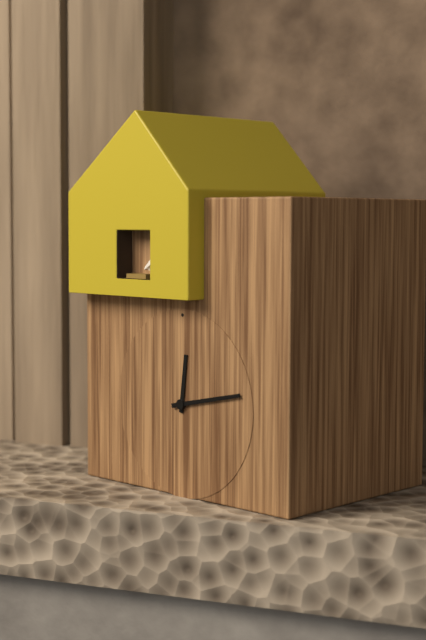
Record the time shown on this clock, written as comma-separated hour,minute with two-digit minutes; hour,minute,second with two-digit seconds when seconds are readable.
12,13
